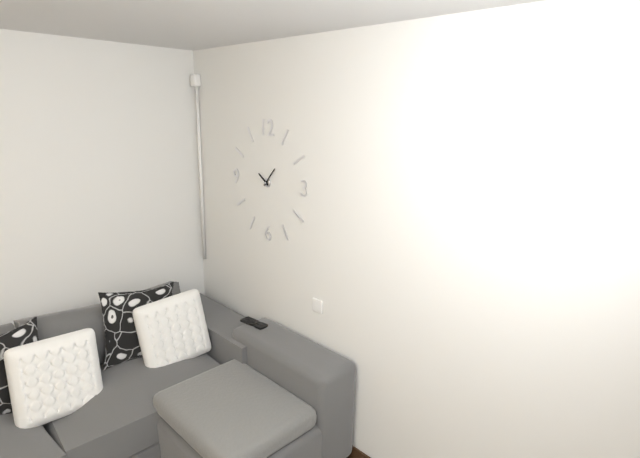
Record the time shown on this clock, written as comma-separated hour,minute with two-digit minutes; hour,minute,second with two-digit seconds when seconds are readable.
10,07
